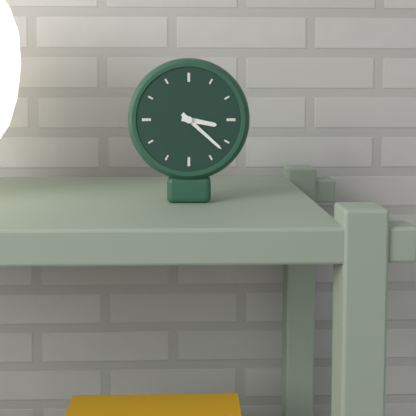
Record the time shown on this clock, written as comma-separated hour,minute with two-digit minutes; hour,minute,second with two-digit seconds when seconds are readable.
3,22
